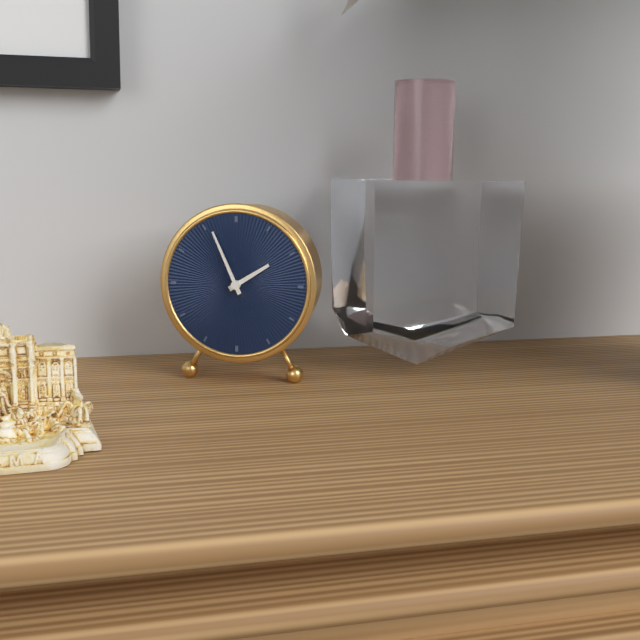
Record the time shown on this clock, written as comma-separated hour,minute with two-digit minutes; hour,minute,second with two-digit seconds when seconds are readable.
1,56
